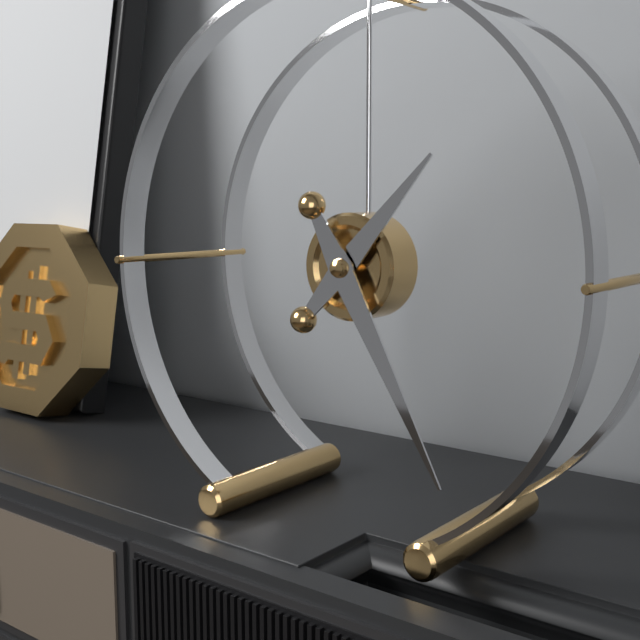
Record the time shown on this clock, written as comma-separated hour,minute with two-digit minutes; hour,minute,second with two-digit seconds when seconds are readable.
1,25
